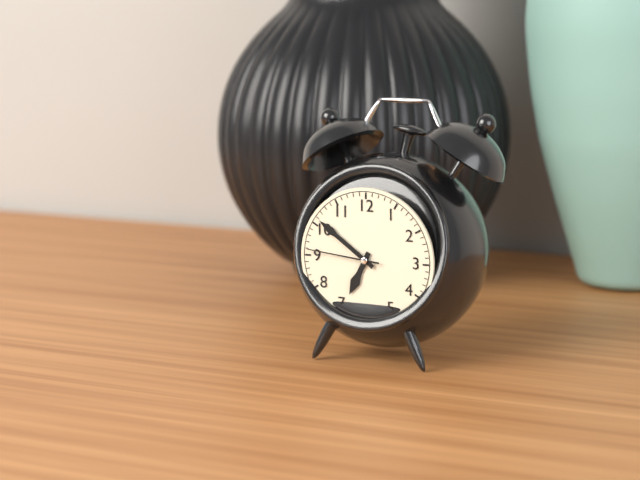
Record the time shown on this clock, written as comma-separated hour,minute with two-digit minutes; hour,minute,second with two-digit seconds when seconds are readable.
6,51,46
